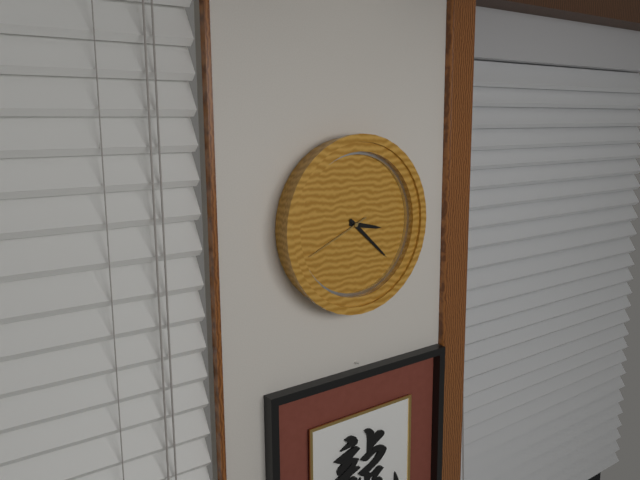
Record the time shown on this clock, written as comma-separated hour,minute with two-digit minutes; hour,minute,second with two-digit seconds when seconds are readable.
3,22,41
